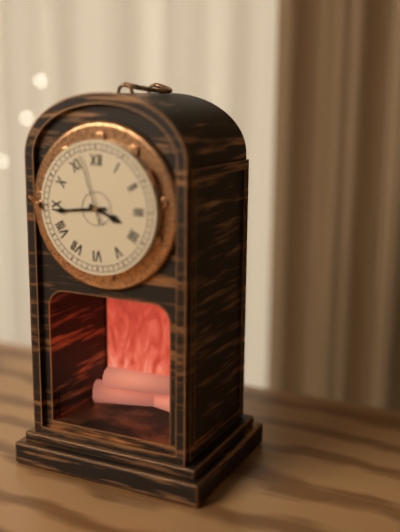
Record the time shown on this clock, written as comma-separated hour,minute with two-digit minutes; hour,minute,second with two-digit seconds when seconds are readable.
3,44,57
